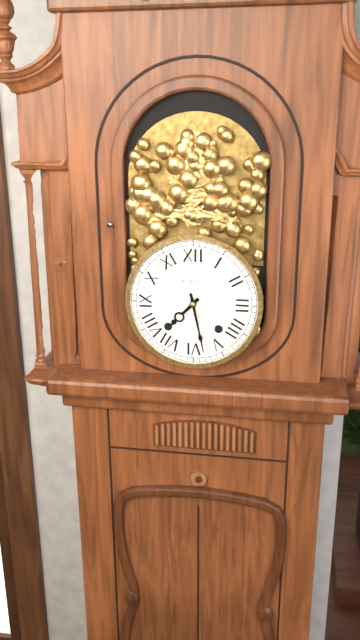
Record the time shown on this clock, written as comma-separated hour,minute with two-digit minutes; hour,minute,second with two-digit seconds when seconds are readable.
7,28
